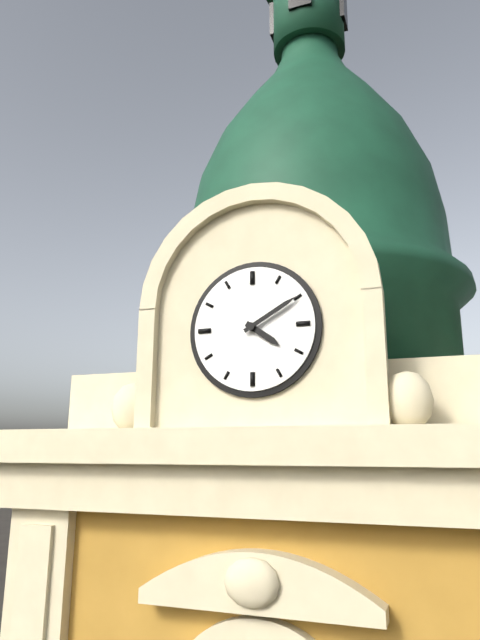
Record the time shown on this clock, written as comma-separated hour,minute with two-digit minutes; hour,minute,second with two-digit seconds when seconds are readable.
4,10
